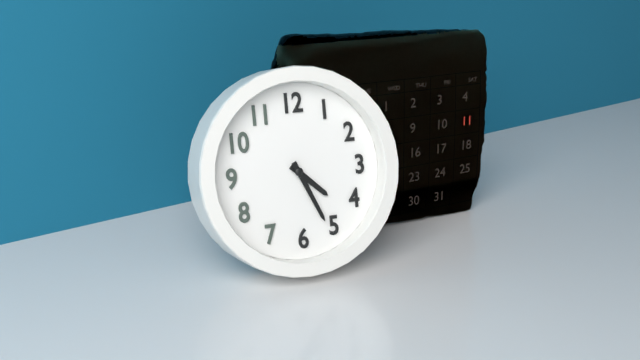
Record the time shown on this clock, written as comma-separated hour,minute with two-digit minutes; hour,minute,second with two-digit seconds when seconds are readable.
4,26
